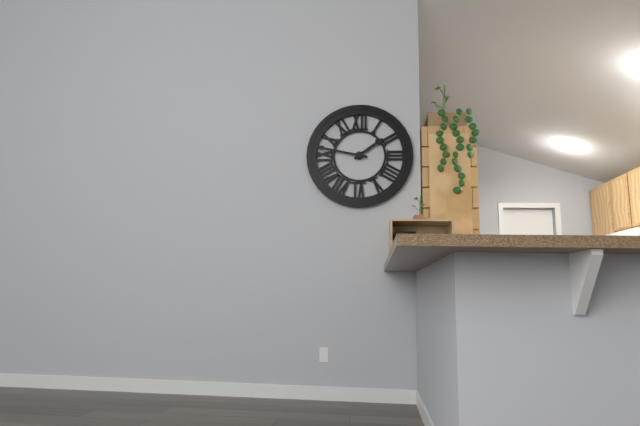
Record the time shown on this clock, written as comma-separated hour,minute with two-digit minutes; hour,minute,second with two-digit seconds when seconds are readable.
1,47
